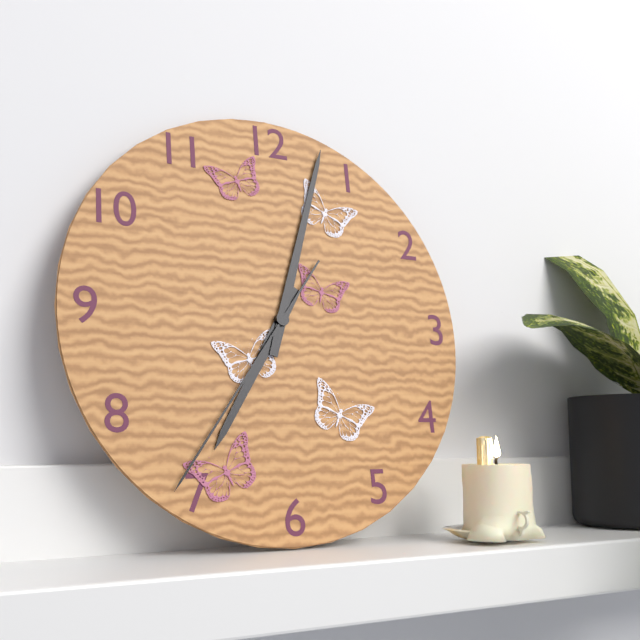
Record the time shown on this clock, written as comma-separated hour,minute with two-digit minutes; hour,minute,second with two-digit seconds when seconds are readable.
7,03,36
